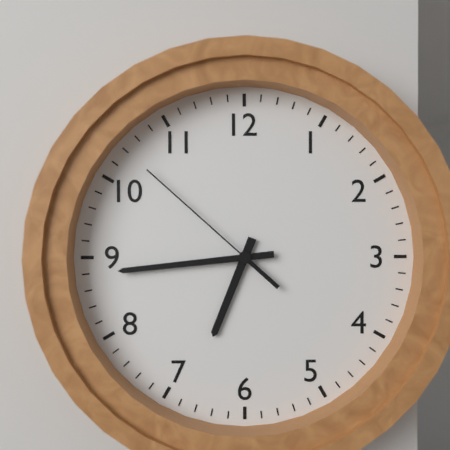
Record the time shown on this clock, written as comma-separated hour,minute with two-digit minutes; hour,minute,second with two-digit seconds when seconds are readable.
6,44,52
